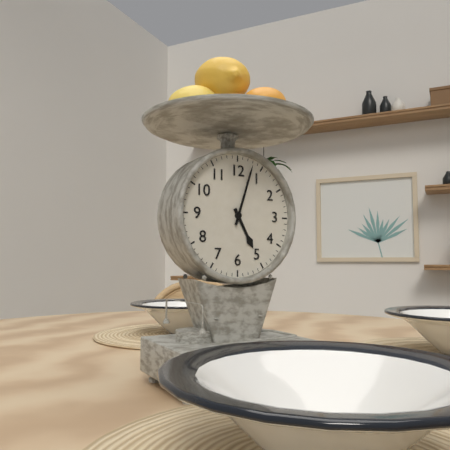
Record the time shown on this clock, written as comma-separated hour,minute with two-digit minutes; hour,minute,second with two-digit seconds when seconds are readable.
5,03
